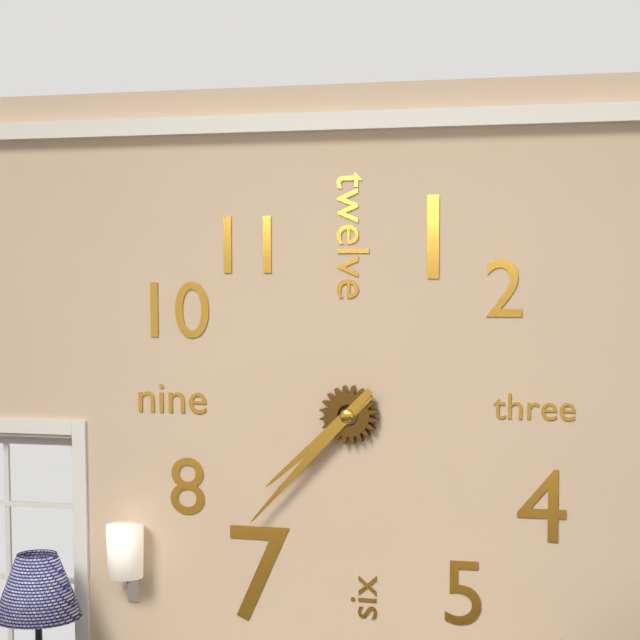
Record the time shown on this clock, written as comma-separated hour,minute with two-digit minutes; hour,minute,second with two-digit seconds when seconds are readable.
7,37
